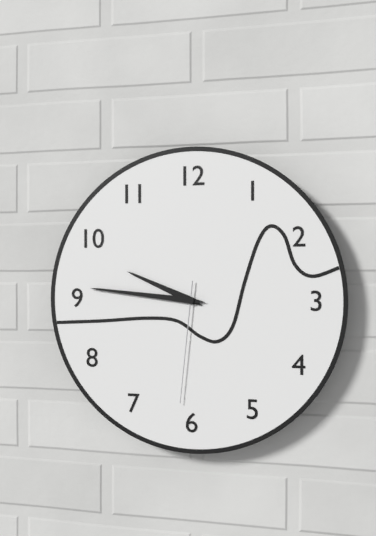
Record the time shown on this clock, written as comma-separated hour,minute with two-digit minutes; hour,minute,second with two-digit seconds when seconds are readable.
9,46,31
